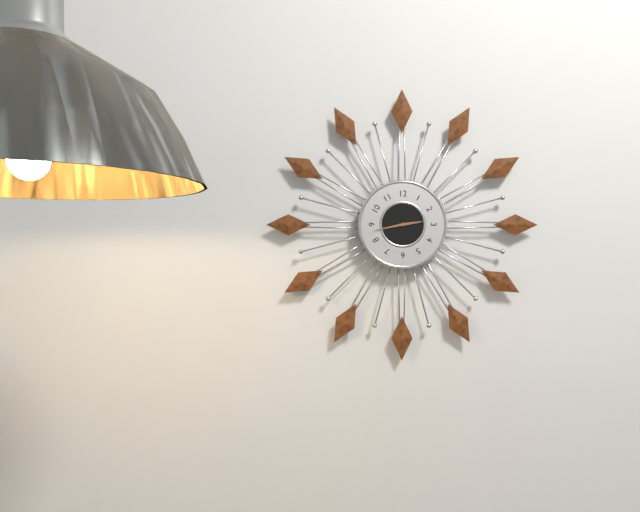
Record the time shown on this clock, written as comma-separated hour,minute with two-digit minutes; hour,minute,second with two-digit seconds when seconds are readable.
2,43
